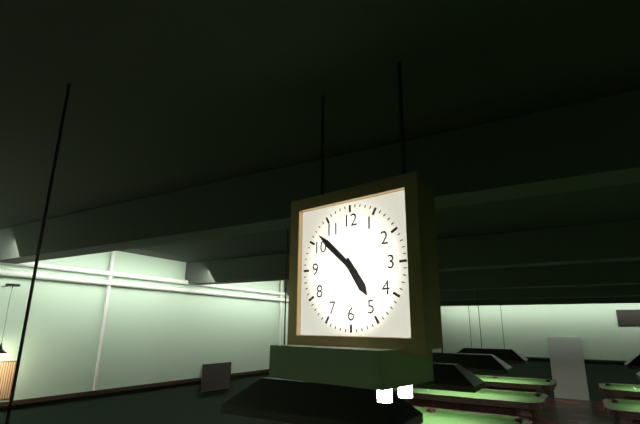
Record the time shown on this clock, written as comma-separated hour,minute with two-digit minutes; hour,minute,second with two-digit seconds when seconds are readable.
4,52
